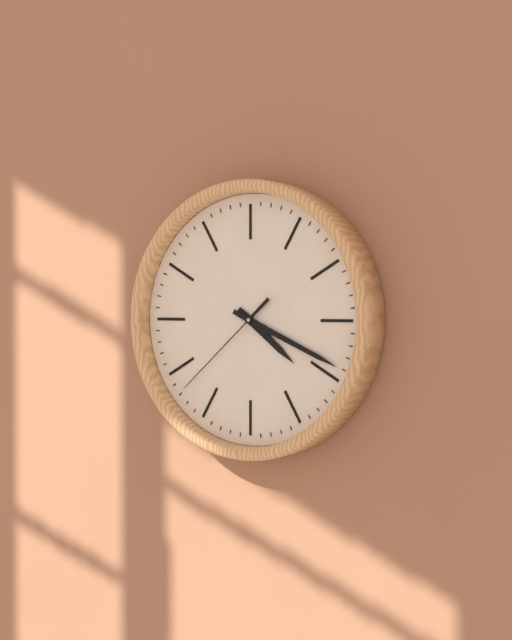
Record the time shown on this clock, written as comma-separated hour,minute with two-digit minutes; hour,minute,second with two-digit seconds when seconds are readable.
4,19,38
